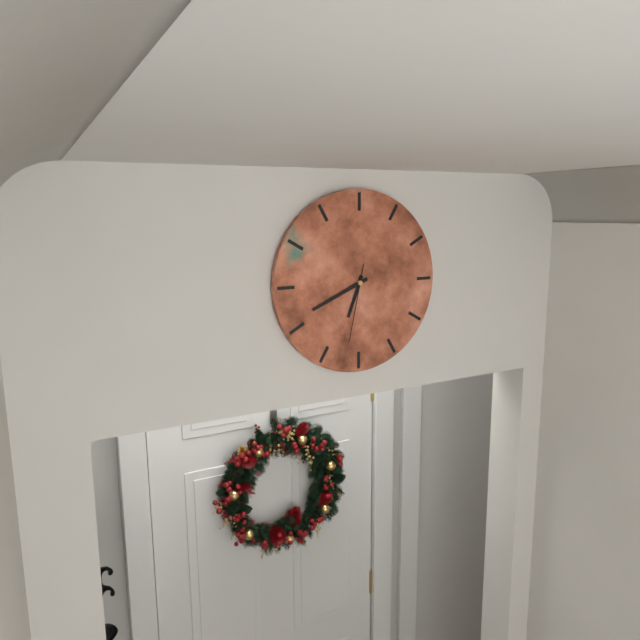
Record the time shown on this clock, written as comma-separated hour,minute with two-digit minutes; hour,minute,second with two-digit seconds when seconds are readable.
6,41,32
